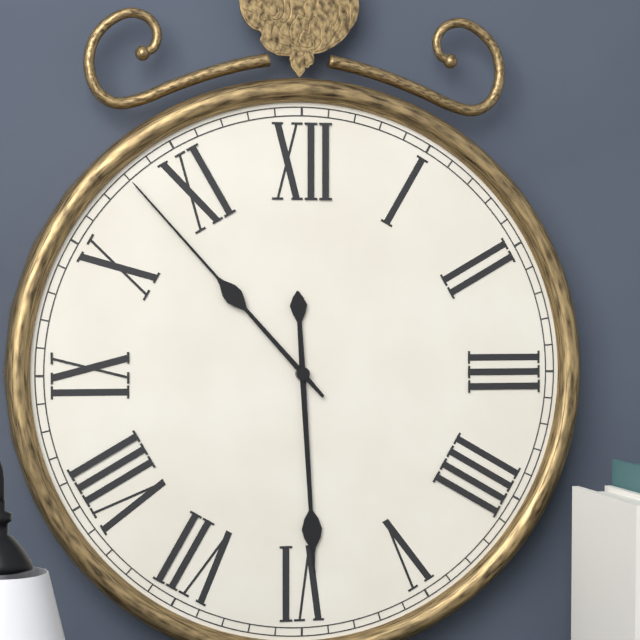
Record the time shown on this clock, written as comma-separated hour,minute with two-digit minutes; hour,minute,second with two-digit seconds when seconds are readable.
5,53
